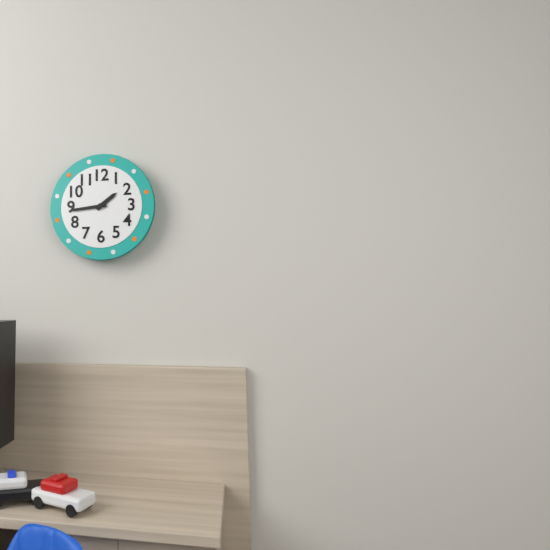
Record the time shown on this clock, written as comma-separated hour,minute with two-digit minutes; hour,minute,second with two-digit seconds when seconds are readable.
1,44
